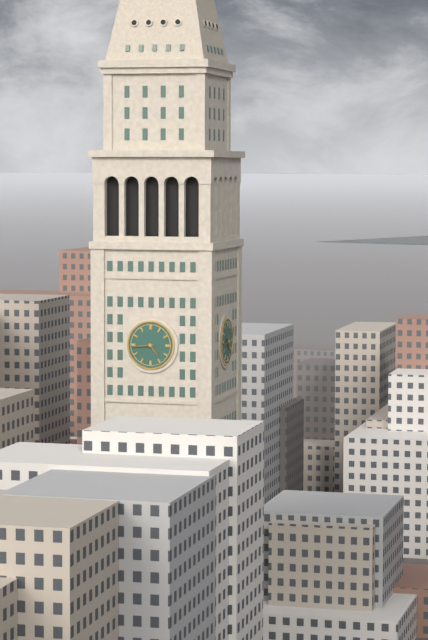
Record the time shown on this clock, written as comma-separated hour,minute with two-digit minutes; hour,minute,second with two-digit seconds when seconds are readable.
4,44
